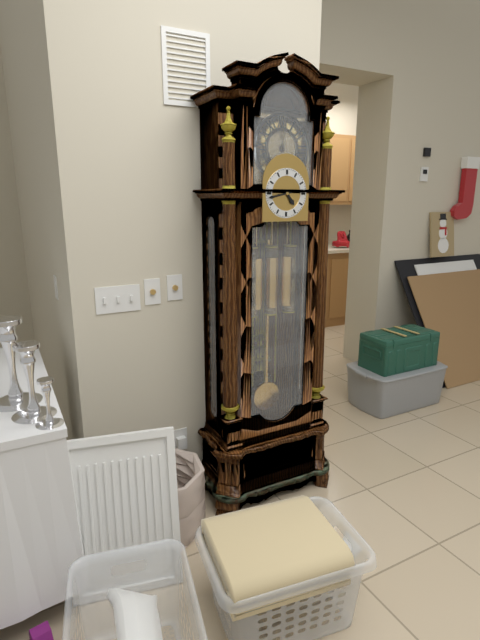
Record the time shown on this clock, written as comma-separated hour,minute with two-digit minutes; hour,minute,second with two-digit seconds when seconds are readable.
4,43
